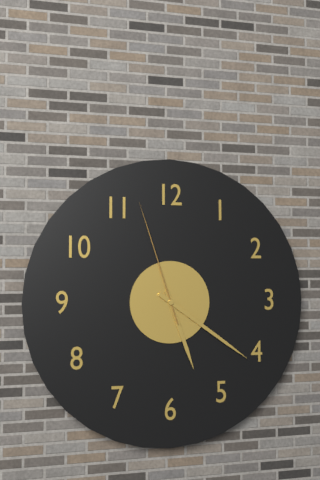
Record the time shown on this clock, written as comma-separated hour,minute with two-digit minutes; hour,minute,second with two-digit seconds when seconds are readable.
5,21,57
